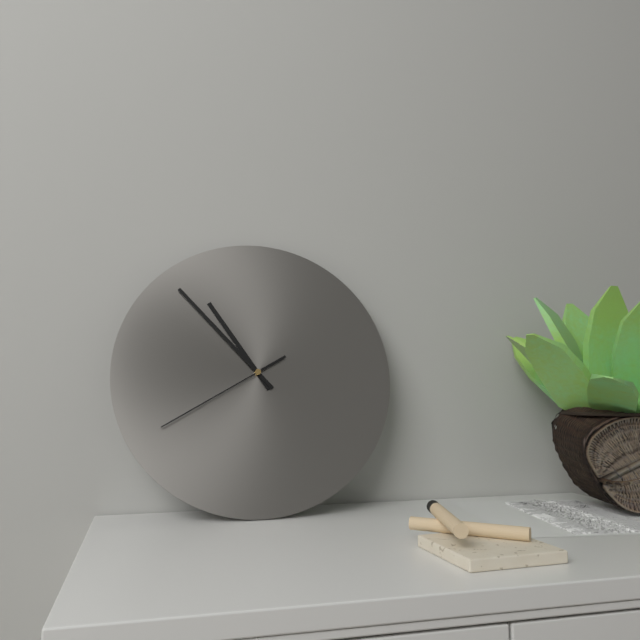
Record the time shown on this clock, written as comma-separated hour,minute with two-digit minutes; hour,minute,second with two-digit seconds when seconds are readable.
10,53,40
